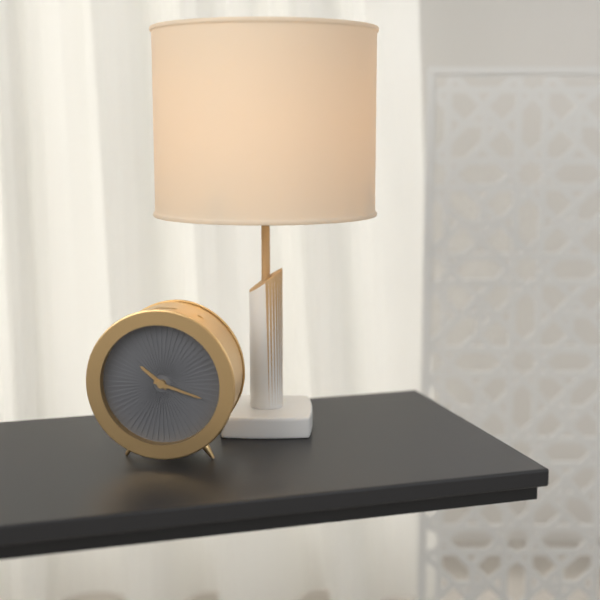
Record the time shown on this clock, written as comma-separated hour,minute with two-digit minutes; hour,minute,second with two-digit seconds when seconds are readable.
10,18
